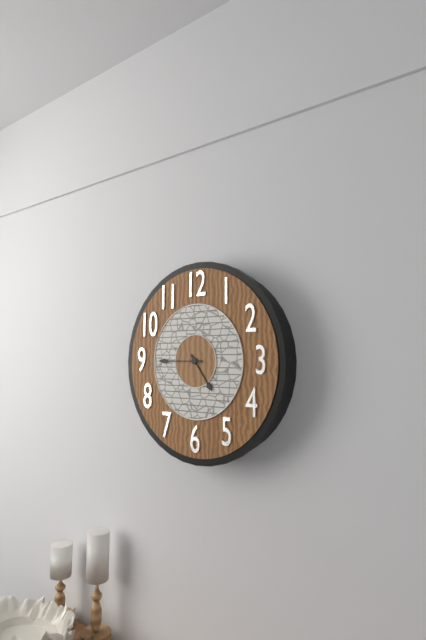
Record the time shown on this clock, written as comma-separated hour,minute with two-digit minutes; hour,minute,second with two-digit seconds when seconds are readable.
4,45
